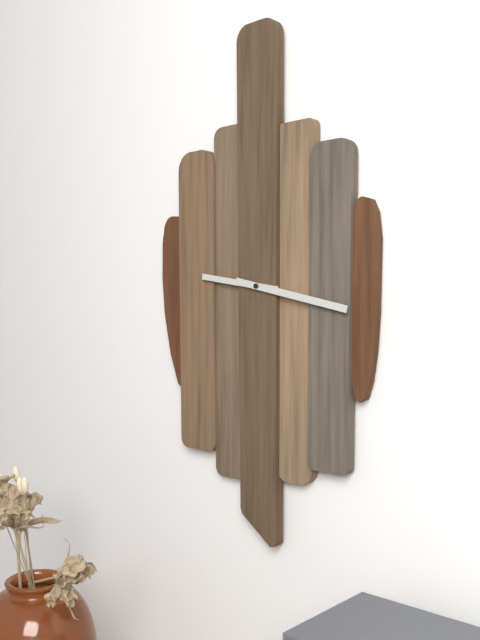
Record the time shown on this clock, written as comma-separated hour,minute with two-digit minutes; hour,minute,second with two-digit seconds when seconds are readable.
9,17
